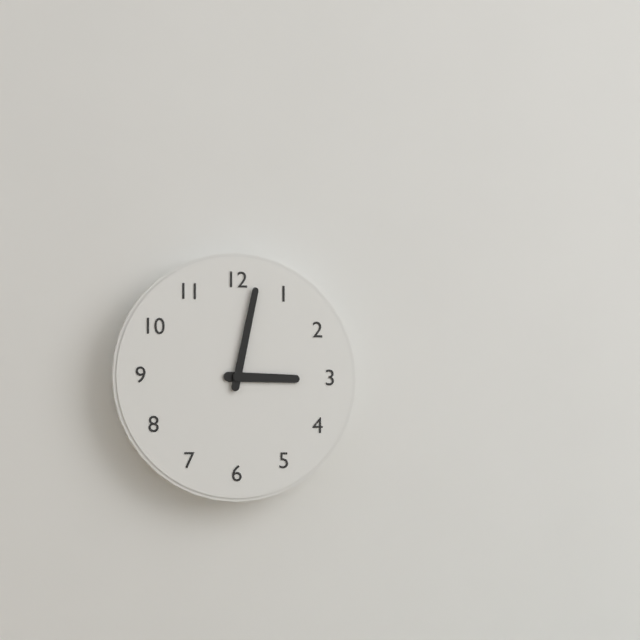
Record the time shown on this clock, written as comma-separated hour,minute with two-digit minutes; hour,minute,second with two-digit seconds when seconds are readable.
3,02
